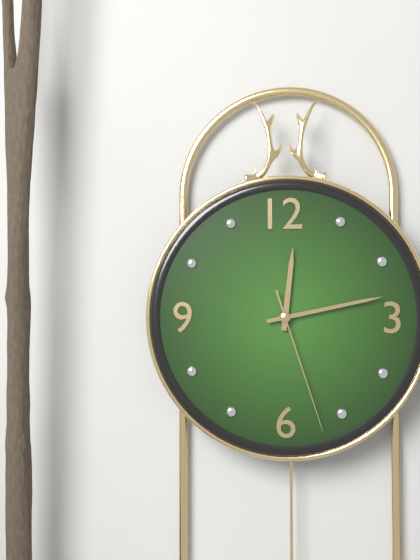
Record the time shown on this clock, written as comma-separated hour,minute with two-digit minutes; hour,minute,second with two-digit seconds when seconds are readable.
12,13,27
